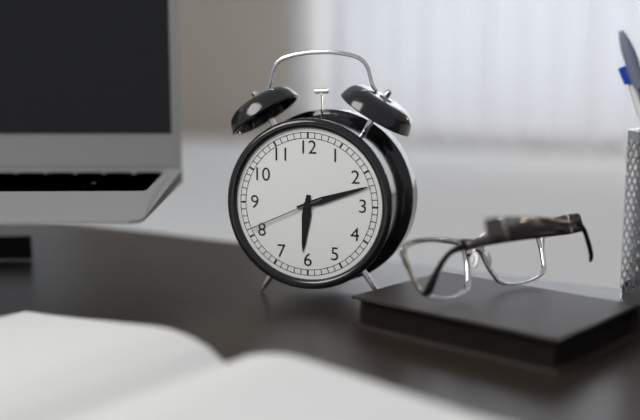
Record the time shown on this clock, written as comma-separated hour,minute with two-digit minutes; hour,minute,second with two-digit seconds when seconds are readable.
6,12,41
